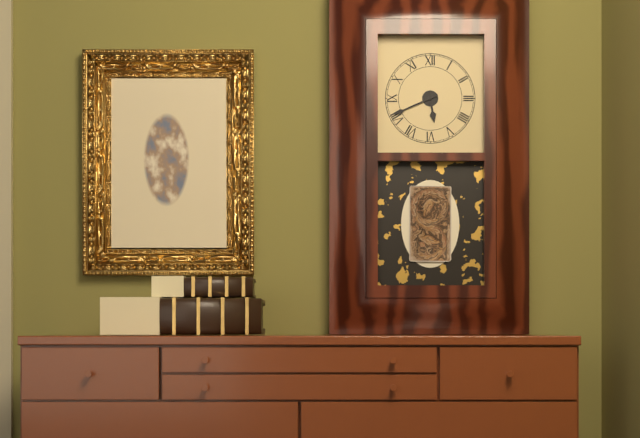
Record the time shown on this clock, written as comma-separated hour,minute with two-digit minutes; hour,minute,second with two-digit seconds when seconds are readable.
5,41
